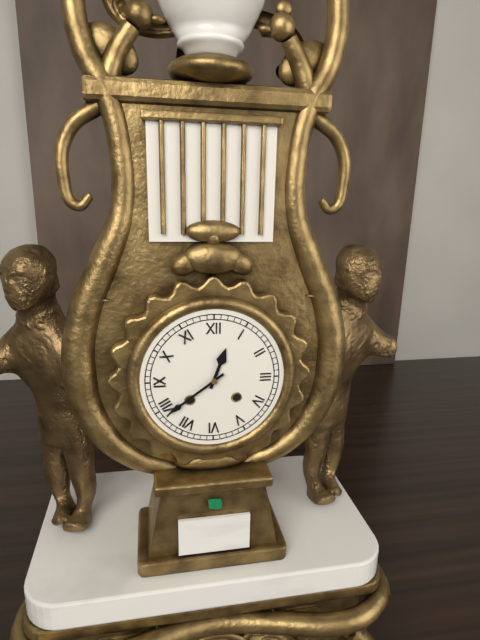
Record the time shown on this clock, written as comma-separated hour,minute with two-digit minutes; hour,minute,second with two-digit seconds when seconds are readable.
12,39
